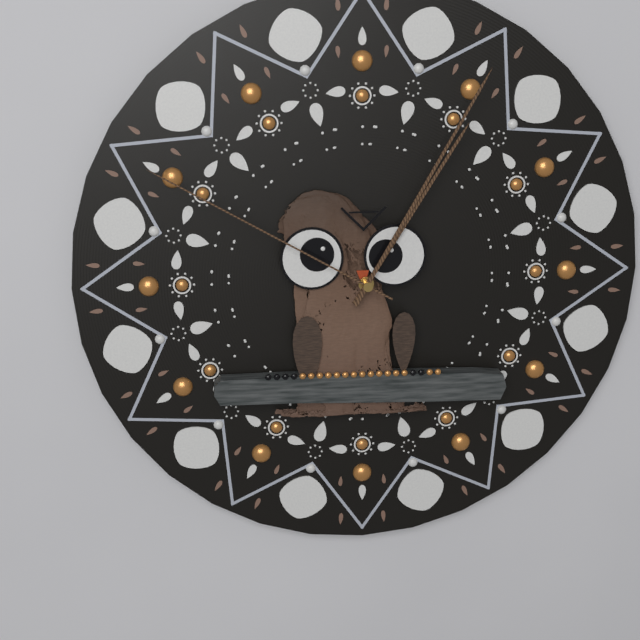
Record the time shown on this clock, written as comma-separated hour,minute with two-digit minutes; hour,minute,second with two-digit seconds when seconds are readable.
1,05,50
